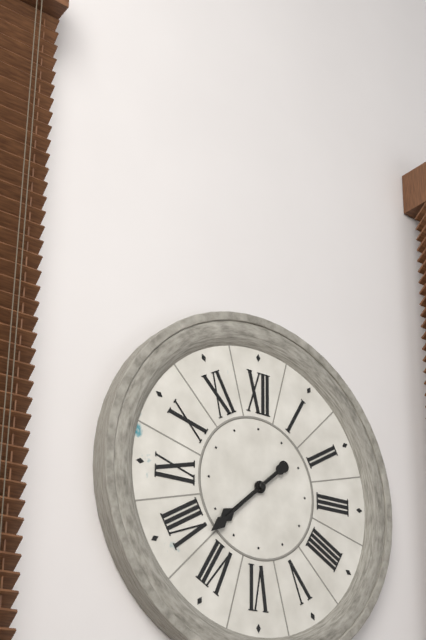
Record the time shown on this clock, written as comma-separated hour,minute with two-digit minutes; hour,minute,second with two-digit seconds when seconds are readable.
7,38
